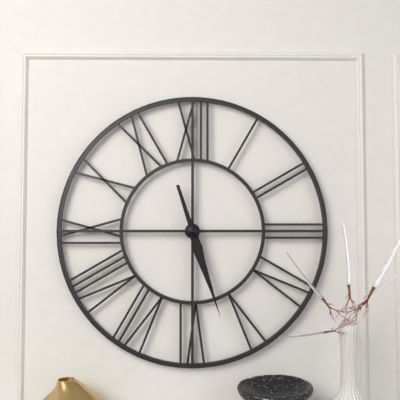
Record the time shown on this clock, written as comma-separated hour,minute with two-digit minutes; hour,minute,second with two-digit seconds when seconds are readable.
5,27
